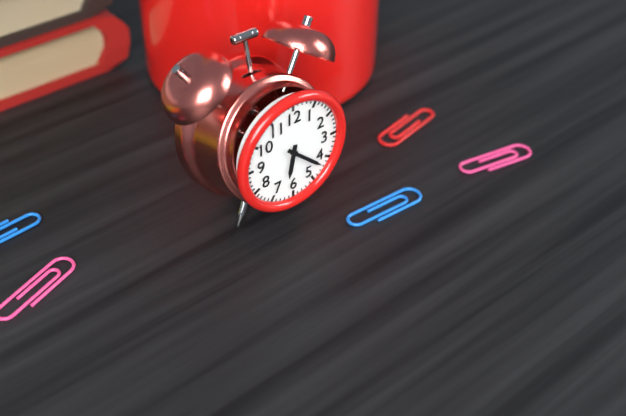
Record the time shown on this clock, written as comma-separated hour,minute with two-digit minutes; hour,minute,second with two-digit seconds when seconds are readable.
6,22
